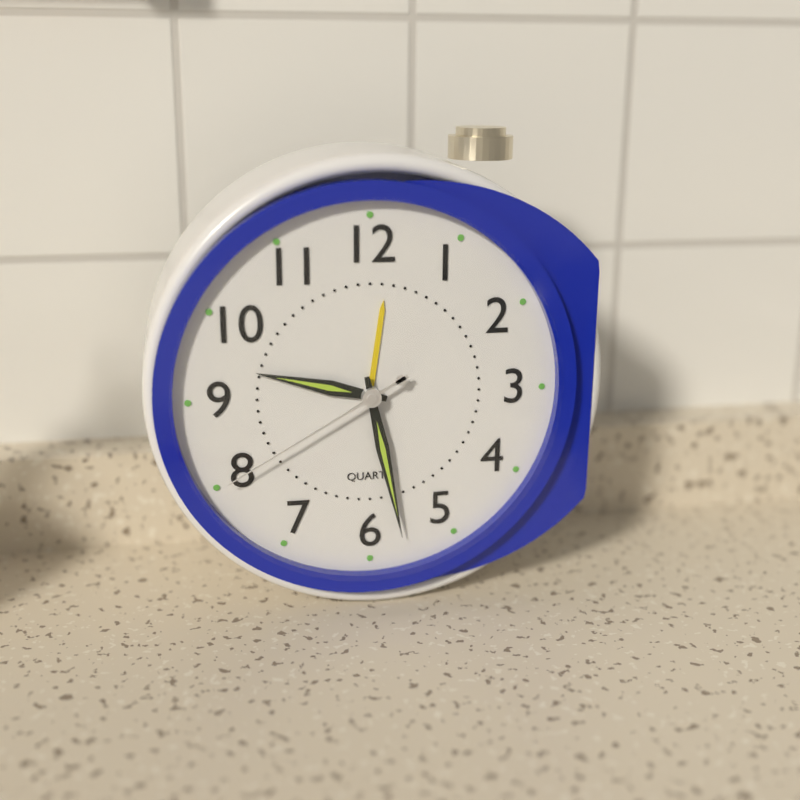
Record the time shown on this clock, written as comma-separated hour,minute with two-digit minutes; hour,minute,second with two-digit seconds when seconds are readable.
9,28,40
